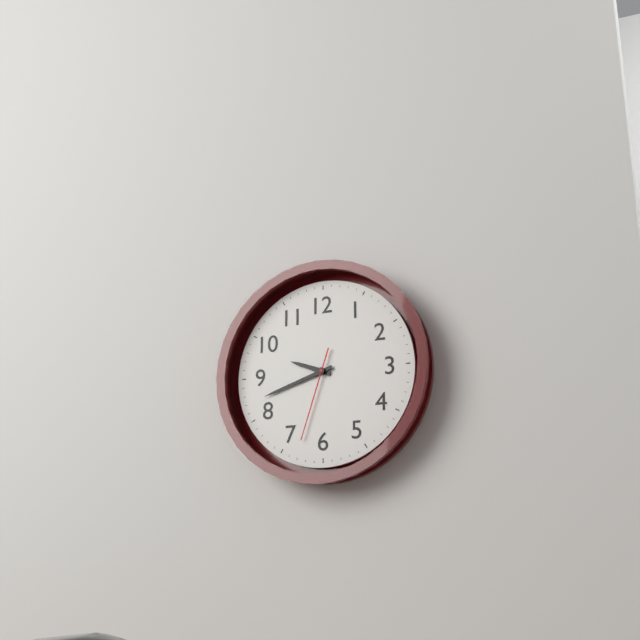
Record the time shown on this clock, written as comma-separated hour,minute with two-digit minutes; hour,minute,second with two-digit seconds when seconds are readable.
9,42,33
